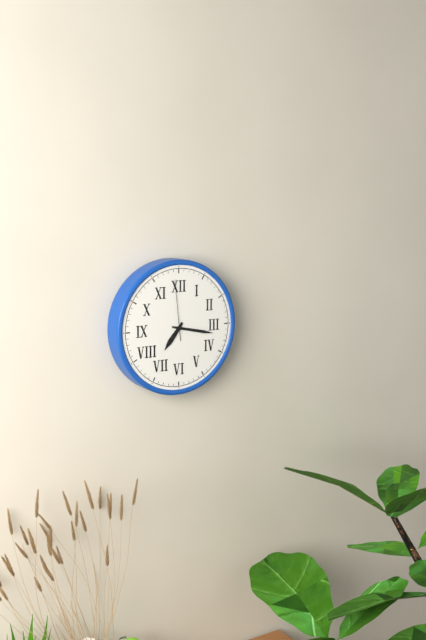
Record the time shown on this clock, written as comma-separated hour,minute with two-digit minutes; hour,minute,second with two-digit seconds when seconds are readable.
7,17,59
